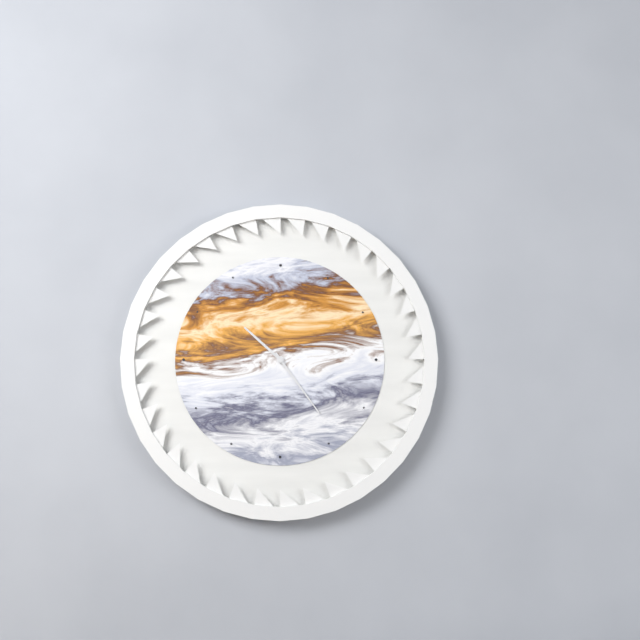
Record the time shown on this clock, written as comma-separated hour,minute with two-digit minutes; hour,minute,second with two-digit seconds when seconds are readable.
10,24
